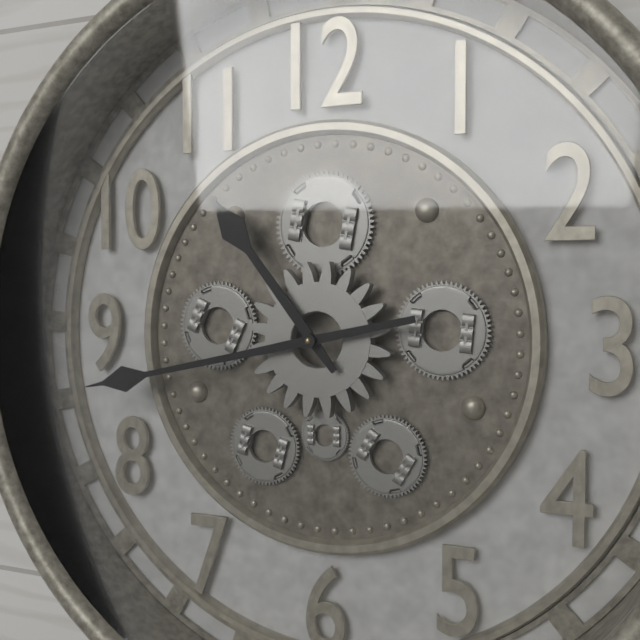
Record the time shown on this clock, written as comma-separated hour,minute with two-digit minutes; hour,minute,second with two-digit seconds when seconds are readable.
10,43
